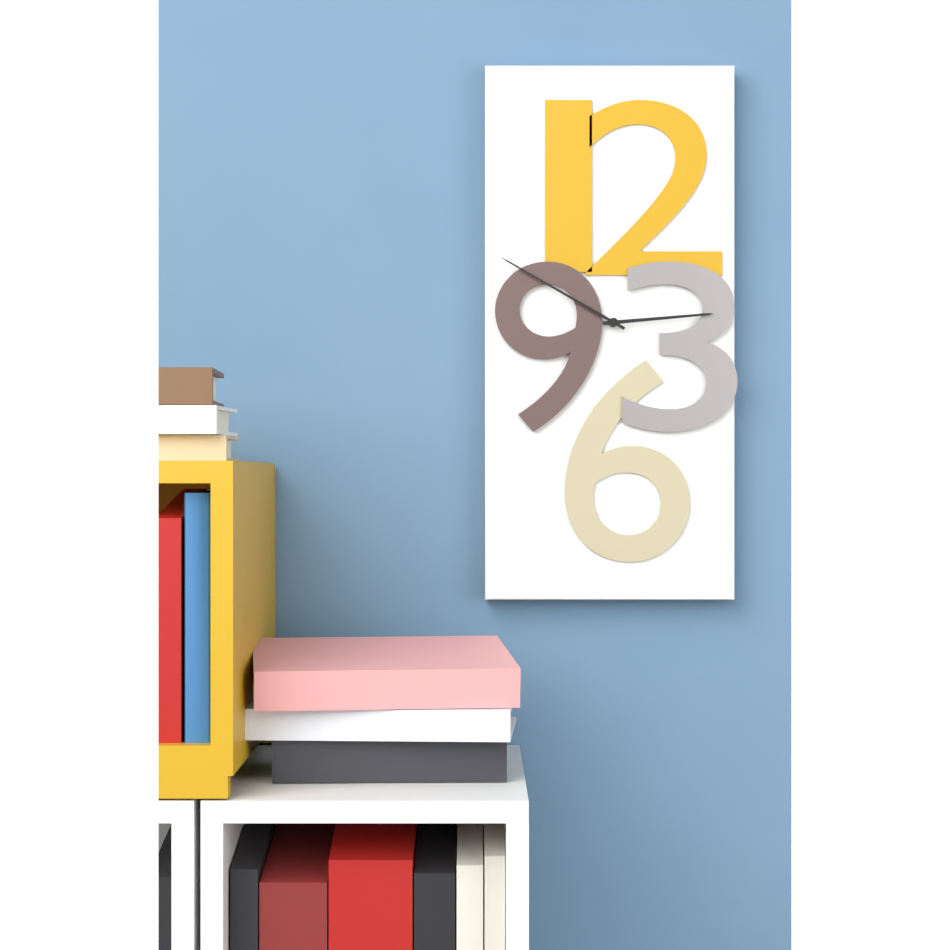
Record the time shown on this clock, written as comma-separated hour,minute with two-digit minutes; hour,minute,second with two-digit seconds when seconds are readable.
2,50
